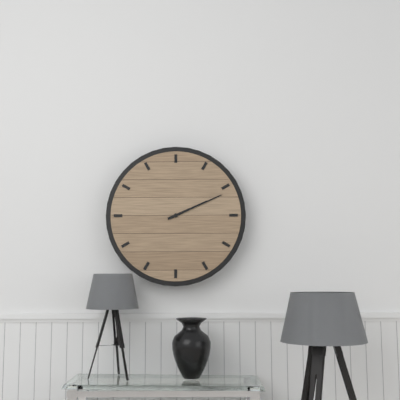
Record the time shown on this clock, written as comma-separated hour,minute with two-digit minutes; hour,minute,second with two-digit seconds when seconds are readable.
2,11
